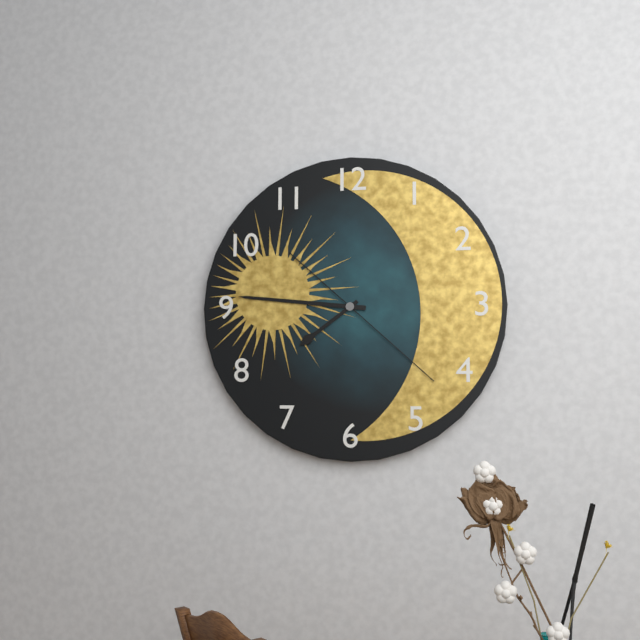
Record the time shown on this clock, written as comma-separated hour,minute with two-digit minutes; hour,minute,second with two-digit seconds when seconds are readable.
7,46,22
